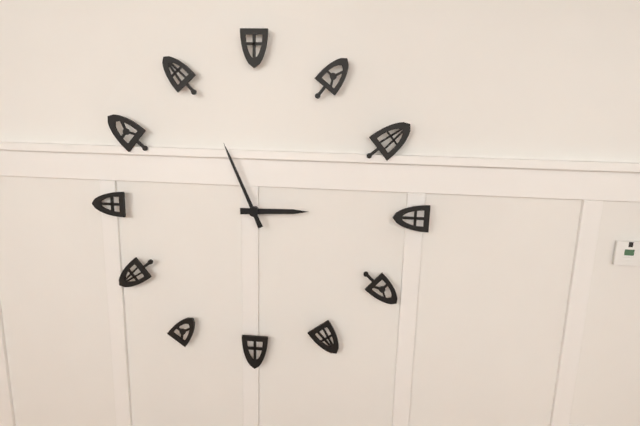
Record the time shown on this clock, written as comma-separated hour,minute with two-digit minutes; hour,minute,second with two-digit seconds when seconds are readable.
2,56
